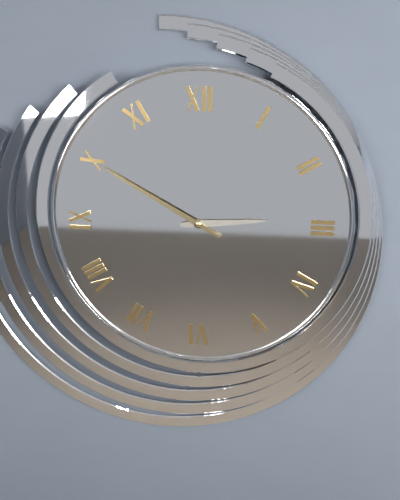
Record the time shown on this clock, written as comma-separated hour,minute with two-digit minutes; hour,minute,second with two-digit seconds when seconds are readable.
2,50
